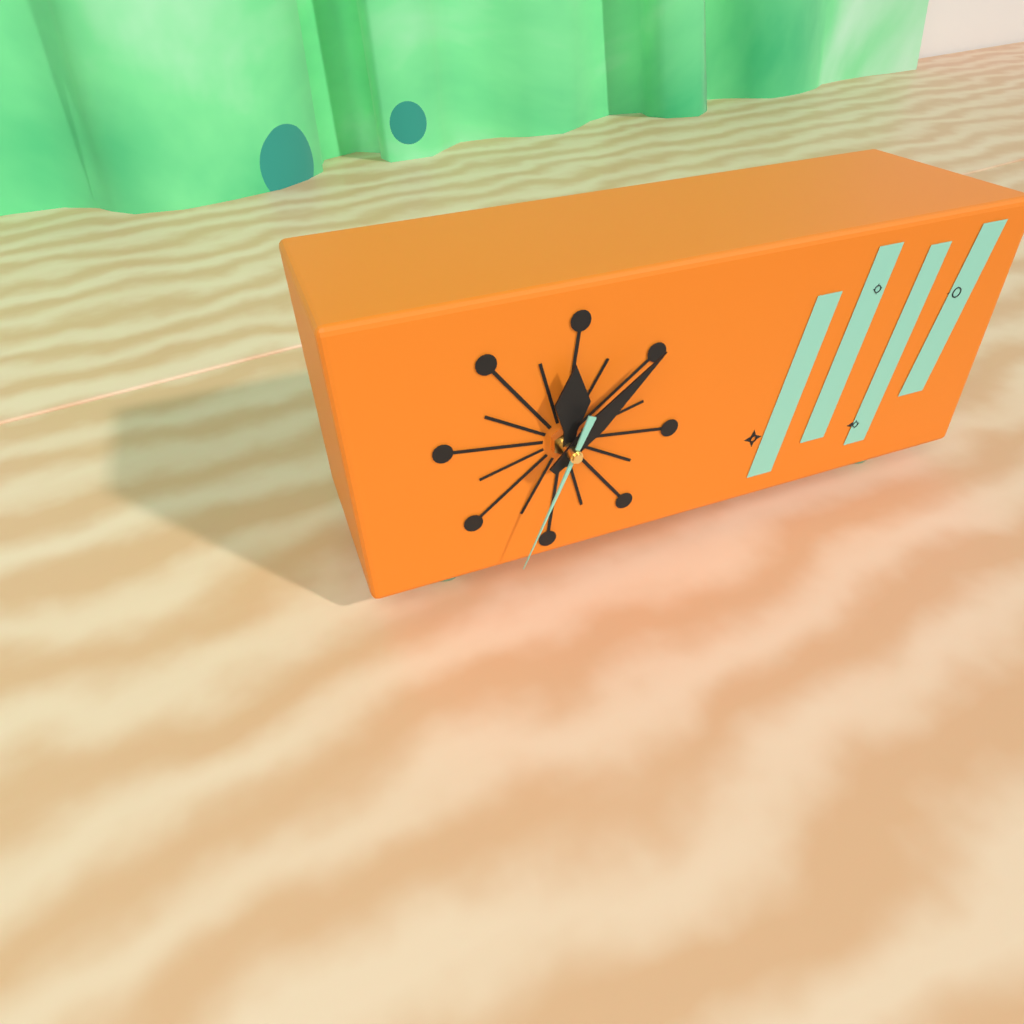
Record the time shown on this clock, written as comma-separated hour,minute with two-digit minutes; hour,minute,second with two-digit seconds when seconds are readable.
12,08,34
